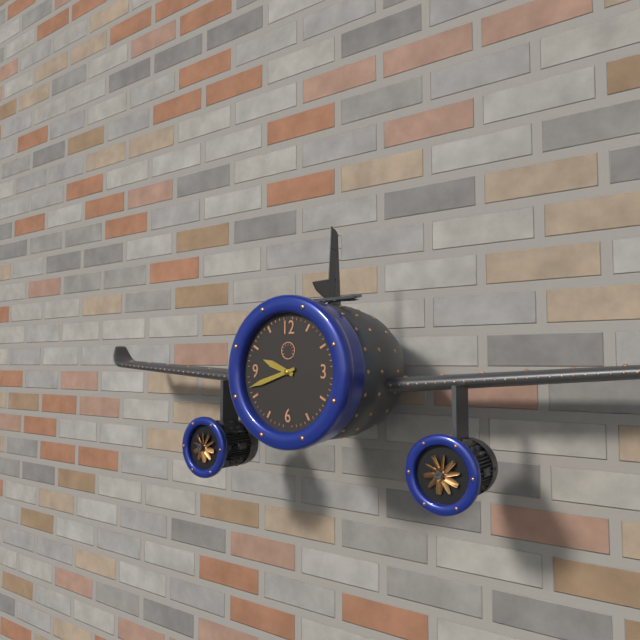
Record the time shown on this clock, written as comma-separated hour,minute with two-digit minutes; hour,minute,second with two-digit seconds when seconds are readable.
9,42
